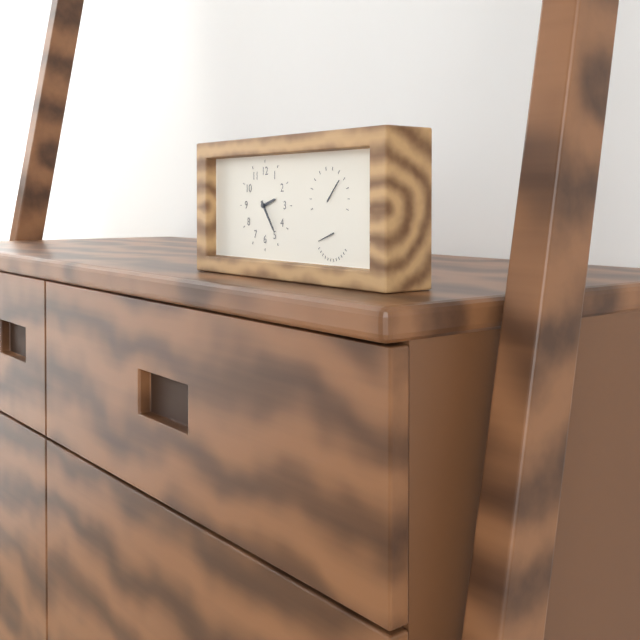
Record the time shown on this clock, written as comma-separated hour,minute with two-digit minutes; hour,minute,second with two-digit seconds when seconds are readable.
2,24
